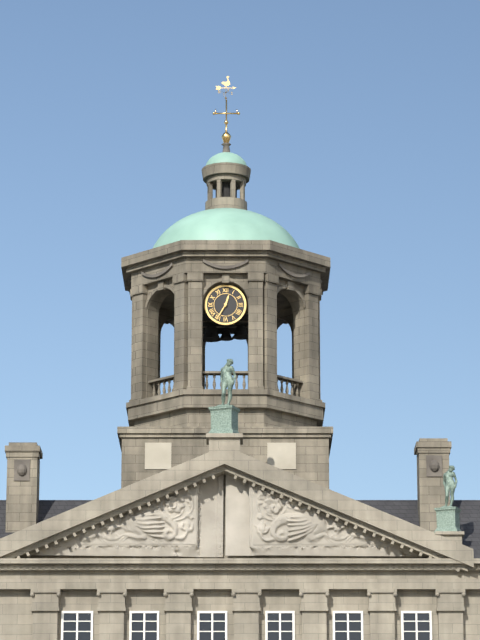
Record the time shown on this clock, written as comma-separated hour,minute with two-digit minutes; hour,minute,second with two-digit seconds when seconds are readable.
12,35
